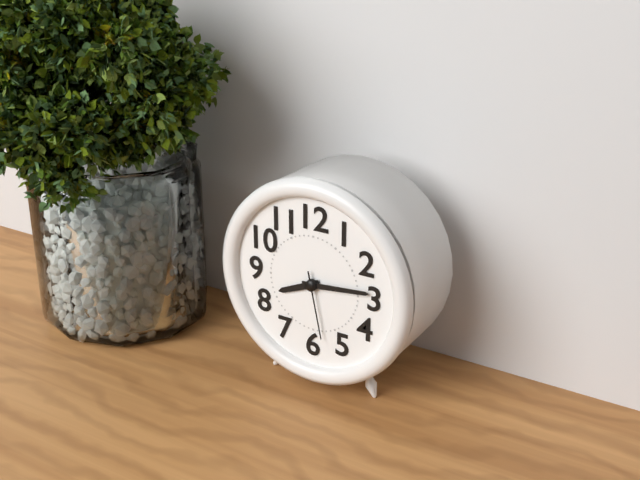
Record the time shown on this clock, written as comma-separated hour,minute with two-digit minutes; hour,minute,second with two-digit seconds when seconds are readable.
8,14,28
